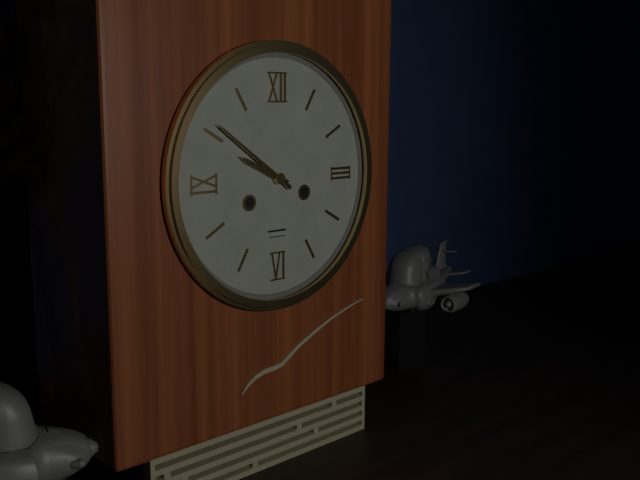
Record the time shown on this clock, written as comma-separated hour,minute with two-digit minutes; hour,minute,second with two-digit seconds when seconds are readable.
9,51
